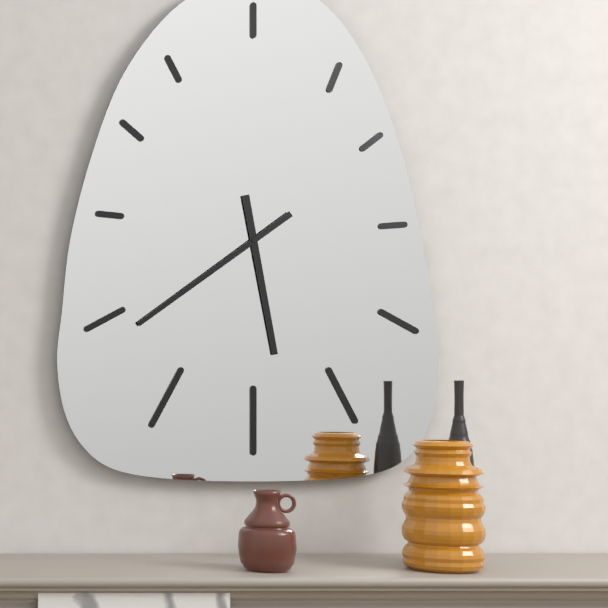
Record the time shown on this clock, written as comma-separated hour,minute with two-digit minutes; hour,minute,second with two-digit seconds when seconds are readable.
5,39
